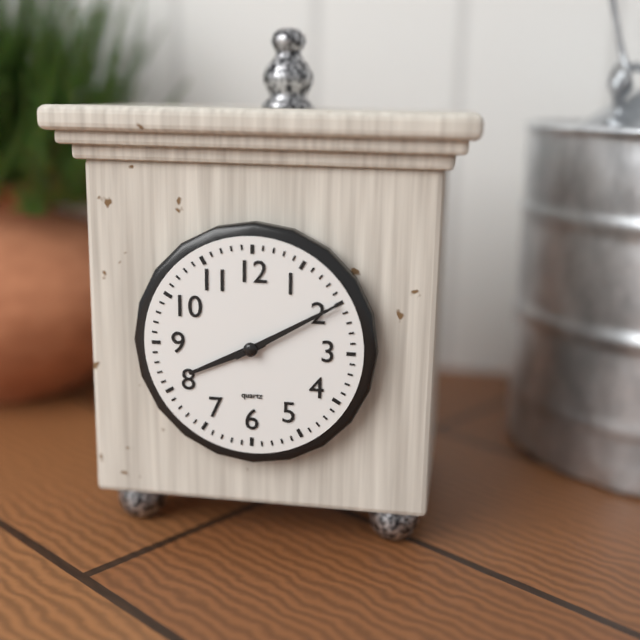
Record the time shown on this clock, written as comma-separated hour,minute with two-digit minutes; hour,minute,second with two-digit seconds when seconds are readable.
8,10
